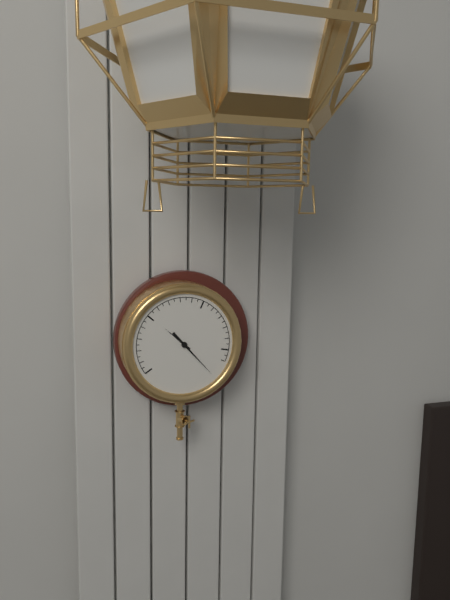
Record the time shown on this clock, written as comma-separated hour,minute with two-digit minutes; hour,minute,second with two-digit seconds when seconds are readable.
10,23
